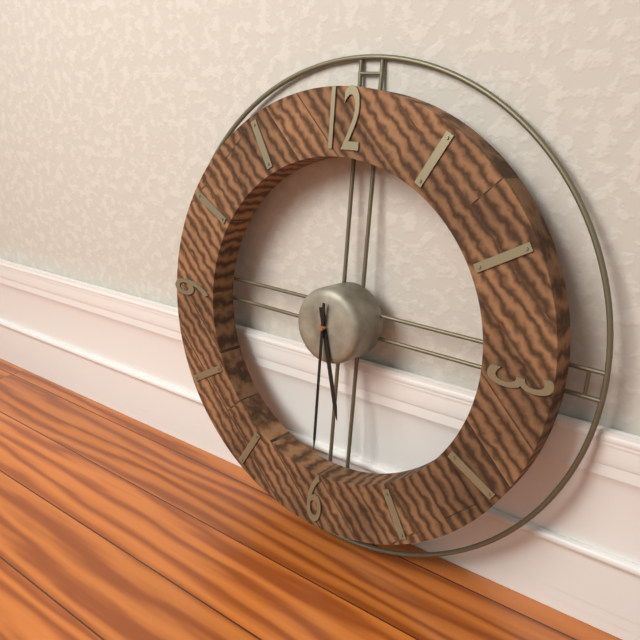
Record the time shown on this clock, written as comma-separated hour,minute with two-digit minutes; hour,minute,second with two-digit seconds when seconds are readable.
5,30
